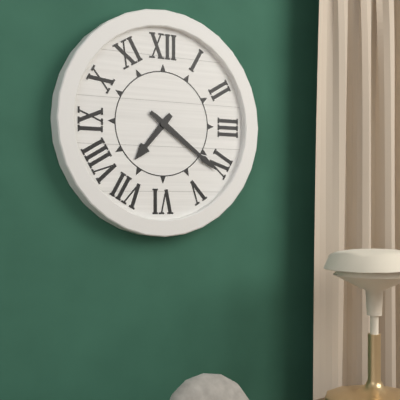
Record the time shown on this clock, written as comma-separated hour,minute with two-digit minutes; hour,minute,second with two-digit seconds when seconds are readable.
7,21
